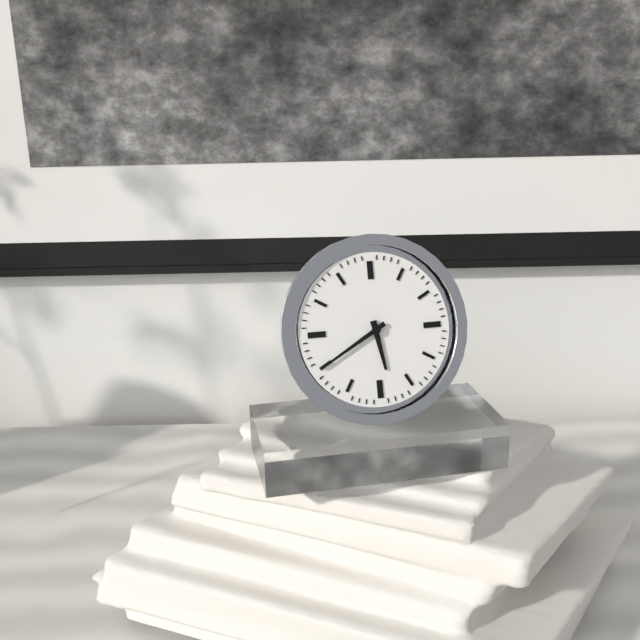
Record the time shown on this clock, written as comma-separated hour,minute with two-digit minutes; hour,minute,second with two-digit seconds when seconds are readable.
5,40
